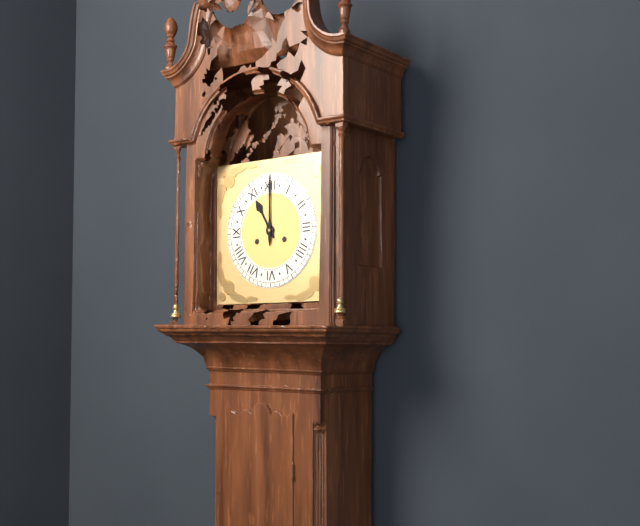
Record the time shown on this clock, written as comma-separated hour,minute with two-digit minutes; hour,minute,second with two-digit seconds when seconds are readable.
11,00
